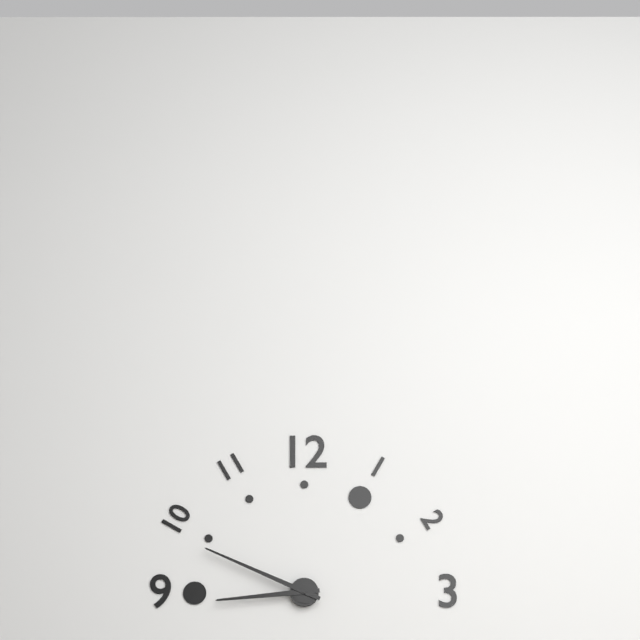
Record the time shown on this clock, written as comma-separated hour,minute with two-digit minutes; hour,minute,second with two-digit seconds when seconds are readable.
8,49
